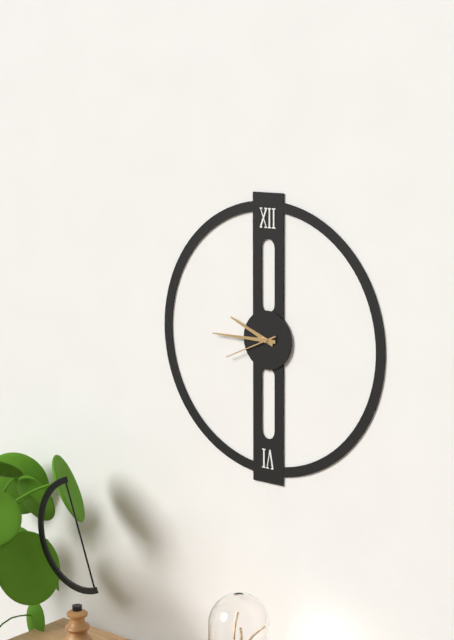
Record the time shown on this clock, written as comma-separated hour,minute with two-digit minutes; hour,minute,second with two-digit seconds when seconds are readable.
9,45,41
